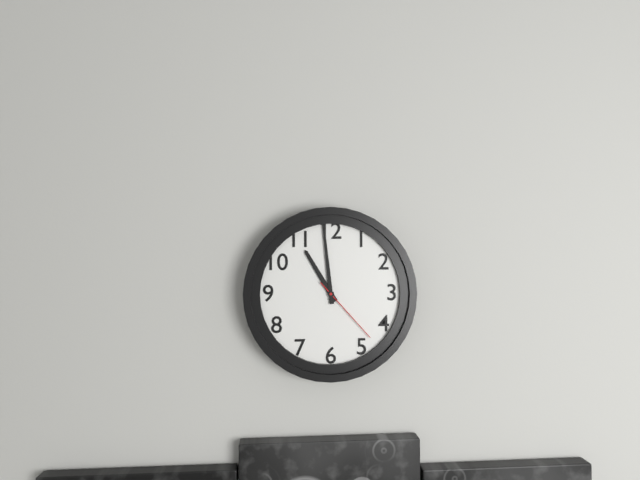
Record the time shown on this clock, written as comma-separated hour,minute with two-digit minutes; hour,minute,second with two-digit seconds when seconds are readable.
10,59,23
